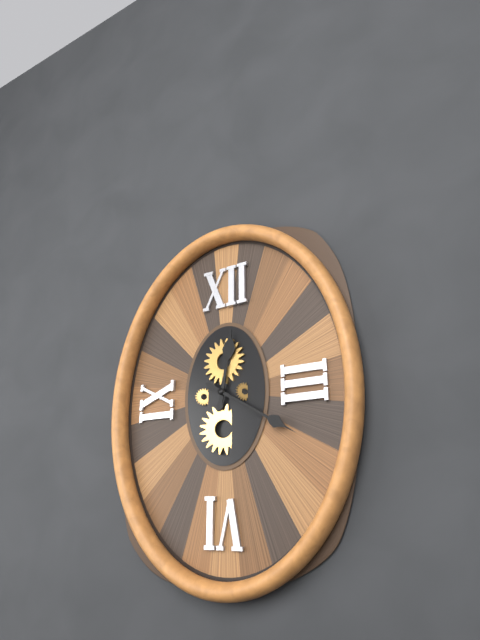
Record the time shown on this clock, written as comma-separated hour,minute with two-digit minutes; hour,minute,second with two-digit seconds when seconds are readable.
12,20
